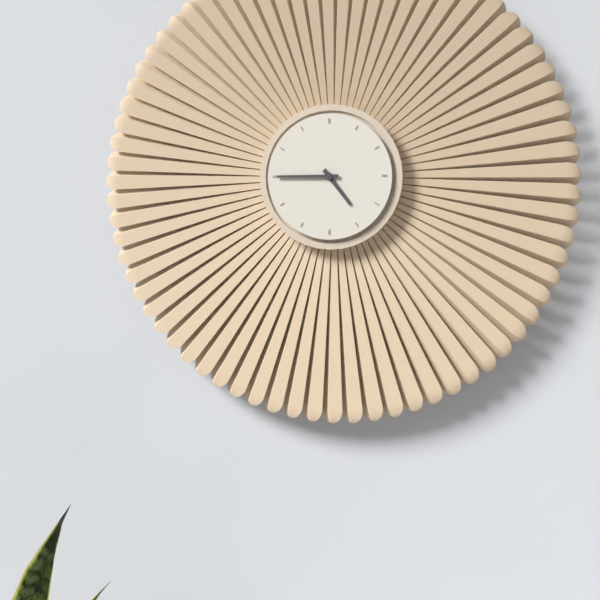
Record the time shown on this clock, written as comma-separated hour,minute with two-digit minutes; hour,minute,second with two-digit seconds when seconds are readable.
4,45
